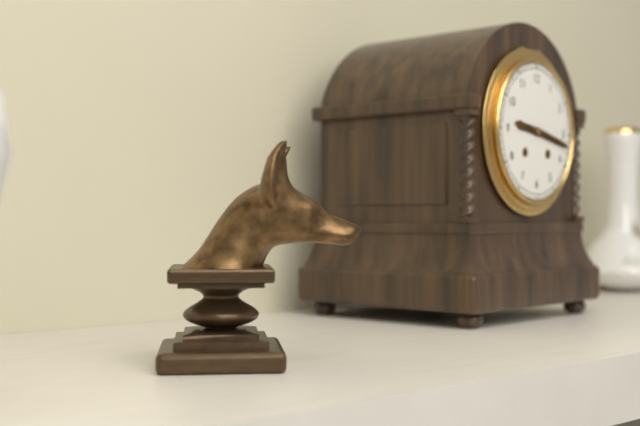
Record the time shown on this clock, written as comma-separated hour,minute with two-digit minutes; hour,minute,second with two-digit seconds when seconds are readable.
9,17
